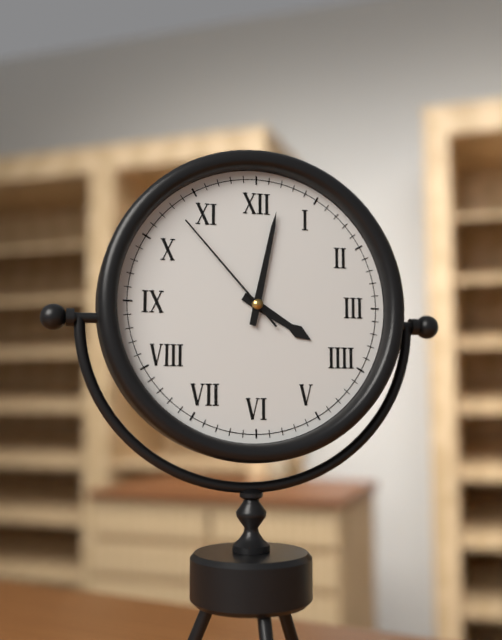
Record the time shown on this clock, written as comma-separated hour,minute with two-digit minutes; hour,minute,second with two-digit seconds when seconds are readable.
4,02,53
